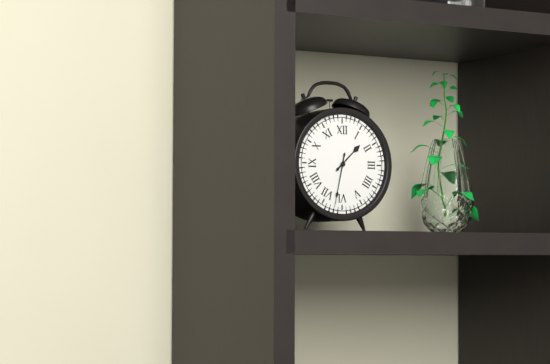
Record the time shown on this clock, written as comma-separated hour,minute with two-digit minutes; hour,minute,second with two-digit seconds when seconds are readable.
1,32
